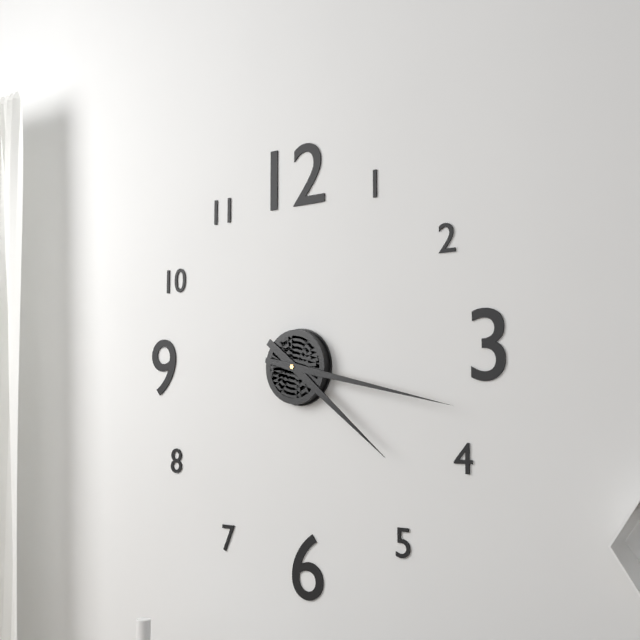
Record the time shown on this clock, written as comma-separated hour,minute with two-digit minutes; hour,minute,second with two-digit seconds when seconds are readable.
4,17
